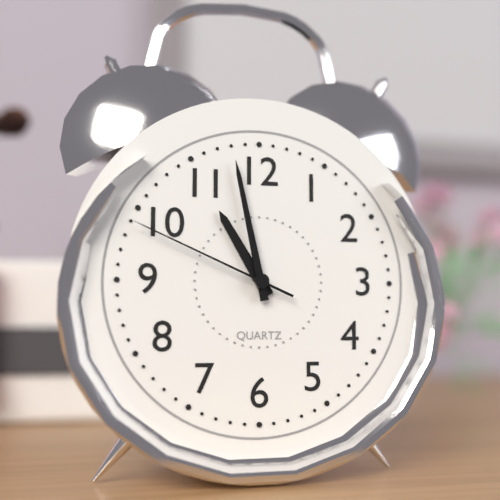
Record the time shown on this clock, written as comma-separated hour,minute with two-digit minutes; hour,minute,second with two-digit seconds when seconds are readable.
10,58,49
